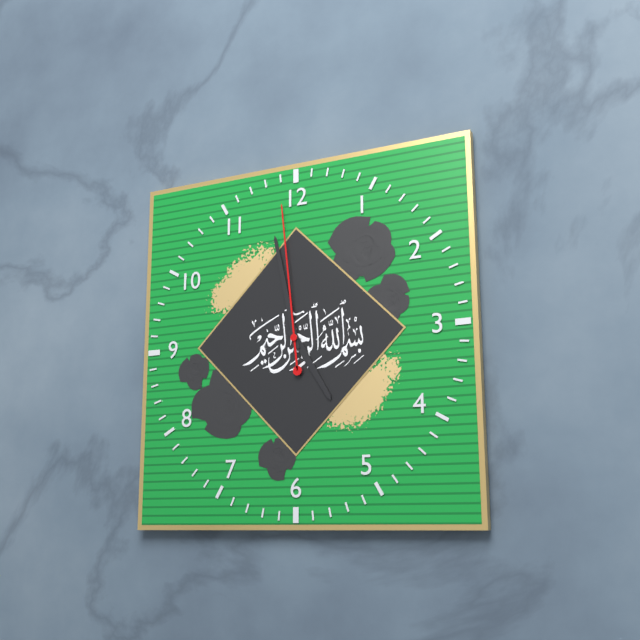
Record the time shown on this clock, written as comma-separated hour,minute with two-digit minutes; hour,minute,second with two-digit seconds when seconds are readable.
4,58,59
